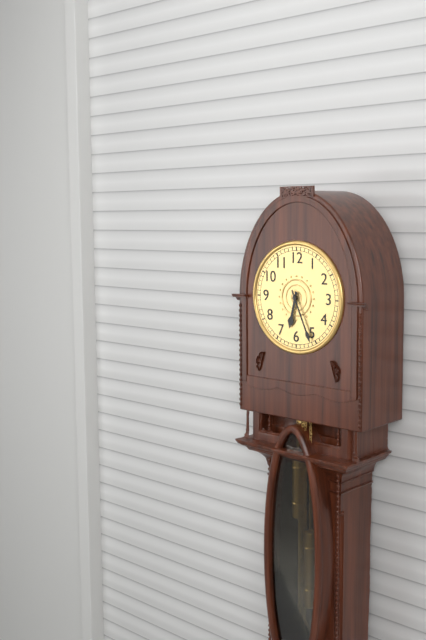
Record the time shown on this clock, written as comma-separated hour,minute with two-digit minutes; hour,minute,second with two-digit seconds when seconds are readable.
6,26
